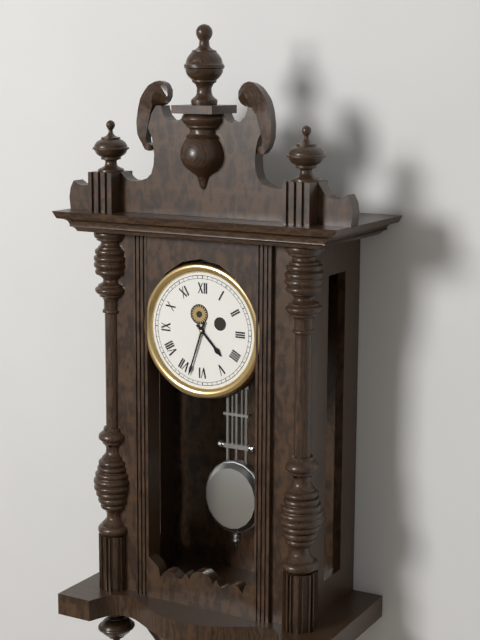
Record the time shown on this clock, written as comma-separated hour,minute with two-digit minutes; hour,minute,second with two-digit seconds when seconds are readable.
4,33
